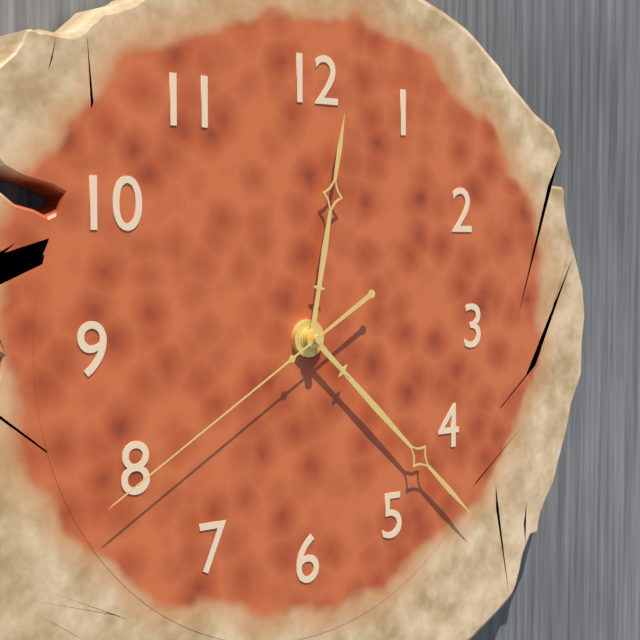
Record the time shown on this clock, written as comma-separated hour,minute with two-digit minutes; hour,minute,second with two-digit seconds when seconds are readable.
12,22,40
